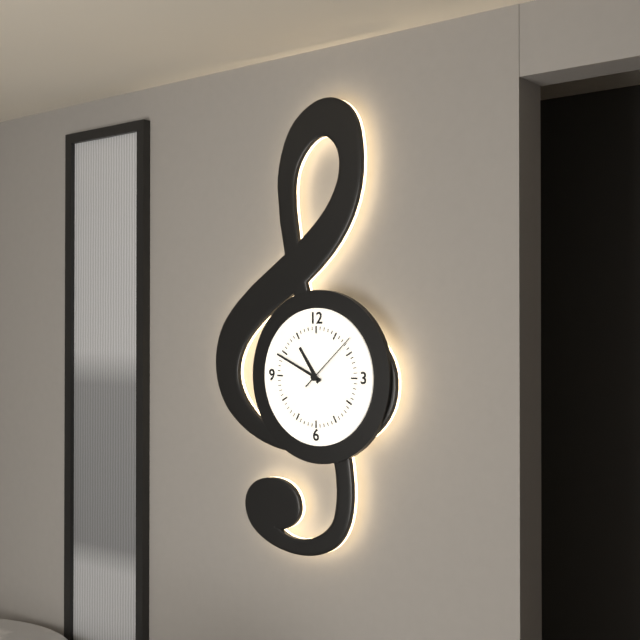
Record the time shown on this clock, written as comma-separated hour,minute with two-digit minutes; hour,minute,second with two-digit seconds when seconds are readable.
10,49,08
